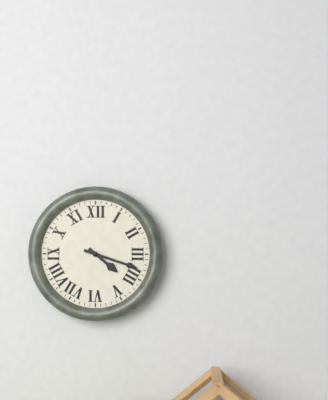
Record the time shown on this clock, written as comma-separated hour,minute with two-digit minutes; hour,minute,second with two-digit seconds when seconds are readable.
4,18
